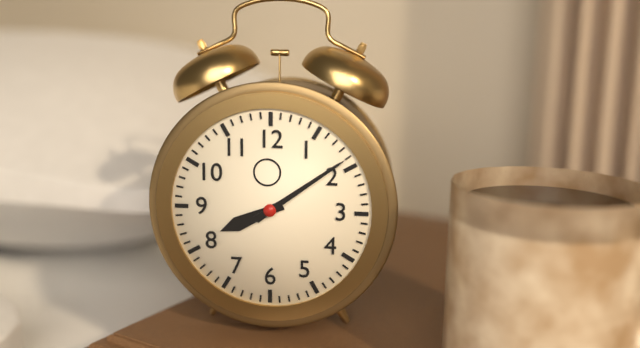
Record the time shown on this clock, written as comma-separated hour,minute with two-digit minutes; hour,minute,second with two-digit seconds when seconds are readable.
8,09
